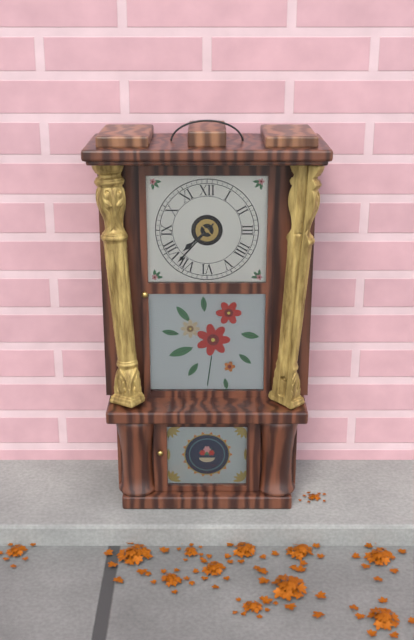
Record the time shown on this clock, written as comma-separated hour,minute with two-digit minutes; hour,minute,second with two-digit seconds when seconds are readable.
7,37
